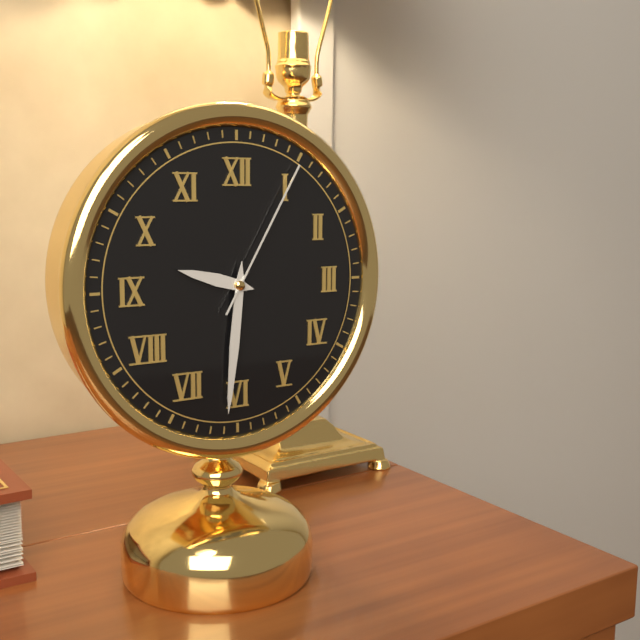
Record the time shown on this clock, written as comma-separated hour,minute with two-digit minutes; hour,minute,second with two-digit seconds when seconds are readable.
9,31,05
